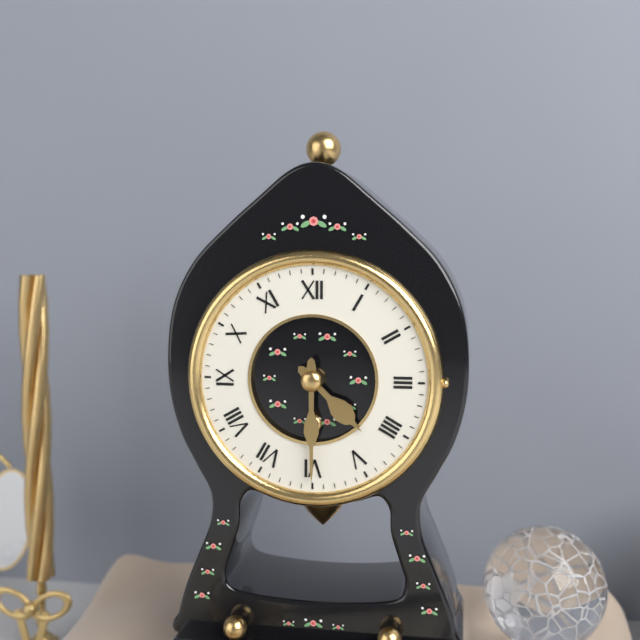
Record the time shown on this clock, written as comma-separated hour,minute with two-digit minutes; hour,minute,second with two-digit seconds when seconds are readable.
4,30
